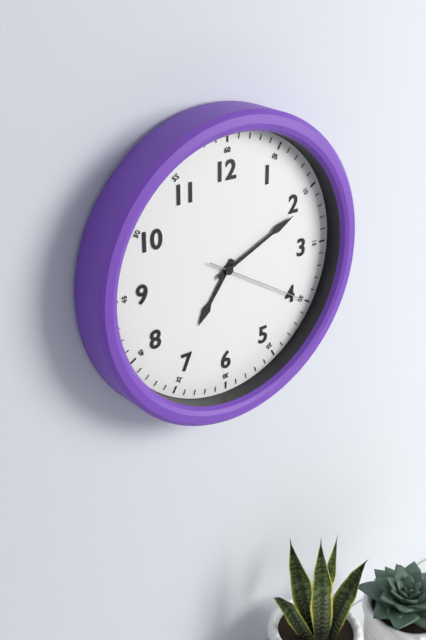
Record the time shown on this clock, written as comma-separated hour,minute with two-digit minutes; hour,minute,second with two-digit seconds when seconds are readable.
7,11,20
